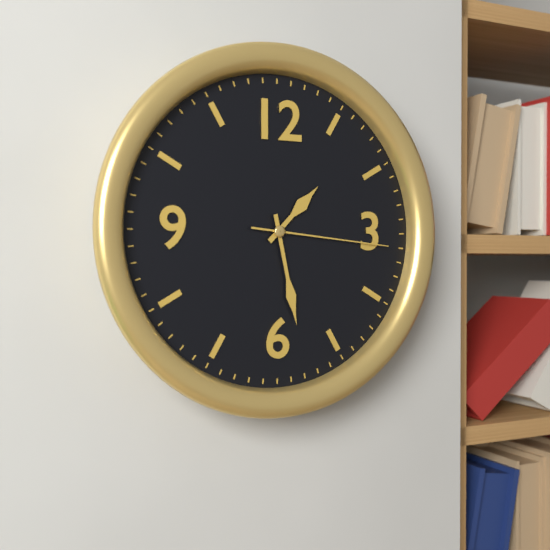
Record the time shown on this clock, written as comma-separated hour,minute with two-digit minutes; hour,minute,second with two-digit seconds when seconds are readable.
1,28,16
